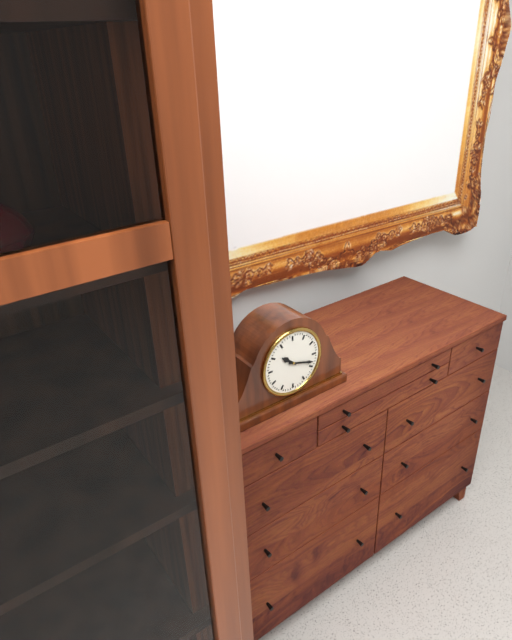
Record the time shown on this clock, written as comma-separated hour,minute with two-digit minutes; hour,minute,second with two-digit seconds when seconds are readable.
10,18
